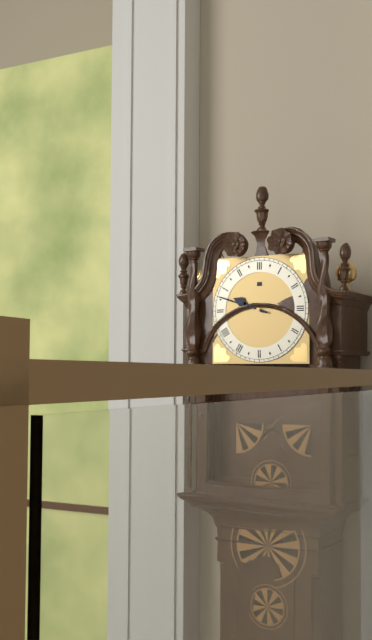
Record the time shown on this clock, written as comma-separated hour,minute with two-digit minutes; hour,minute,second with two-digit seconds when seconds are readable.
9,48
